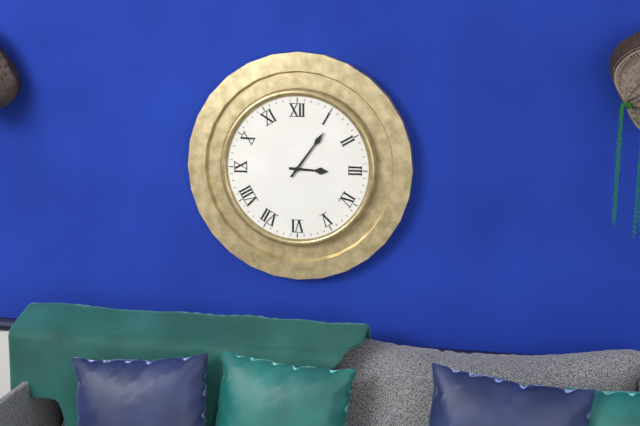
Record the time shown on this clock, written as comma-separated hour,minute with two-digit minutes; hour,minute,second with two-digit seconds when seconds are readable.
3,06
